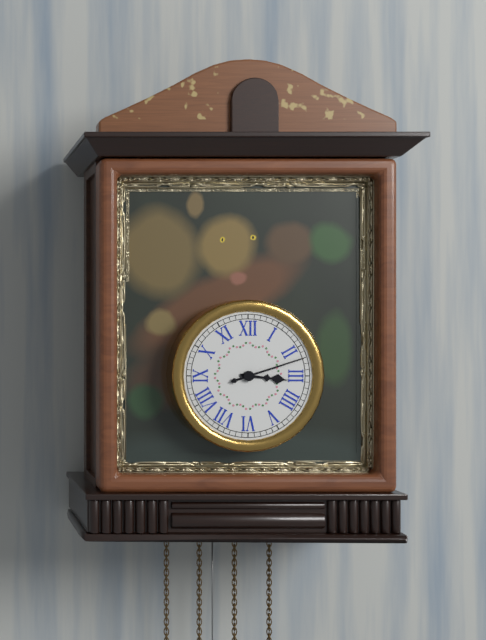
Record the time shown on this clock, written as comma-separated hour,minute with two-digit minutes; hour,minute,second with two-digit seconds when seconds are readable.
3,12
